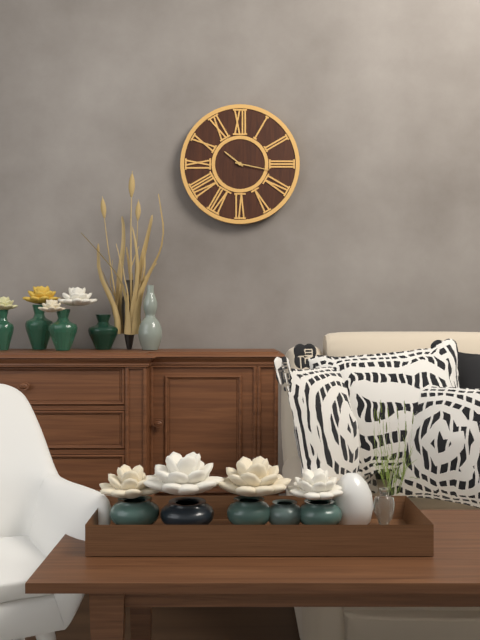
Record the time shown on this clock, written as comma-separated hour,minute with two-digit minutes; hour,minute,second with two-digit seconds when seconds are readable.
10,17
